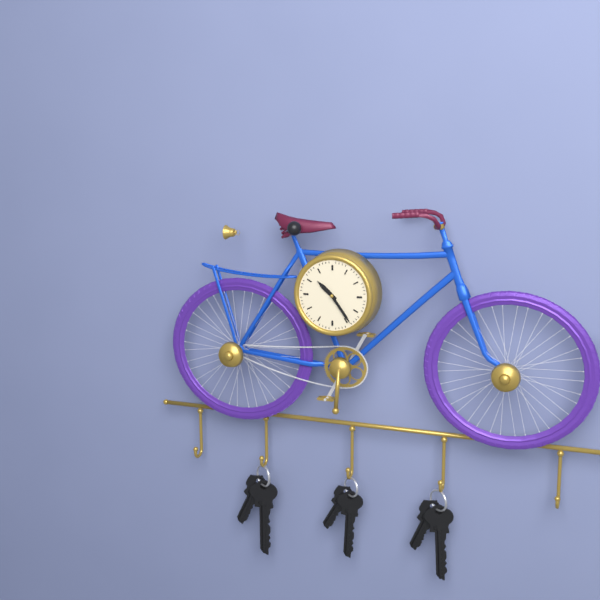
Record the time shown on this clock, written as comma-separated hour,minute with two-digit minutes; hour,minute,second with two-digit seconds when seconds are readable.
10,24
